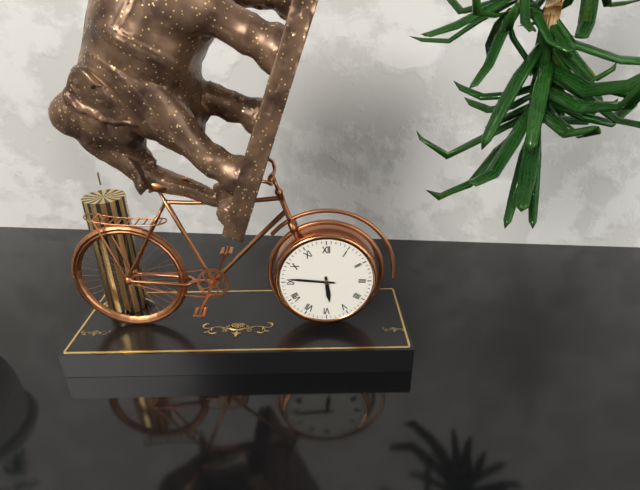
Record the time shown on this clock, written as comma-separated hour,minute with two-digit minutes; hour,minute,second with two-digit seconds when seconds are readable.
5,46
